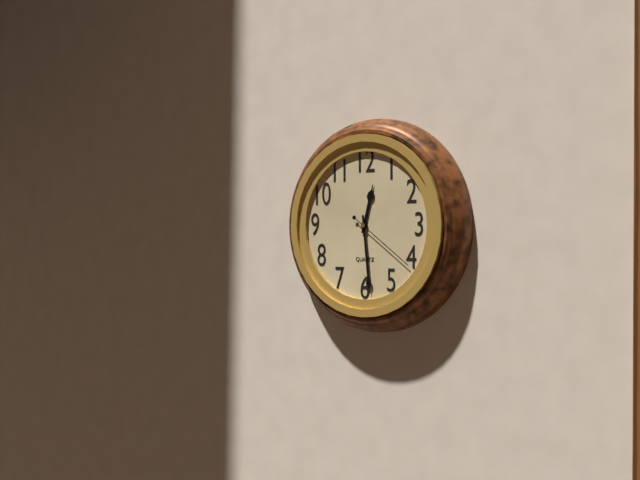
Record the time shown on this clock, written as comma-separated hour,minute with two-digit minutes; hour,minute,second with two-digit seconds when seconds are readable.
12,29,21
